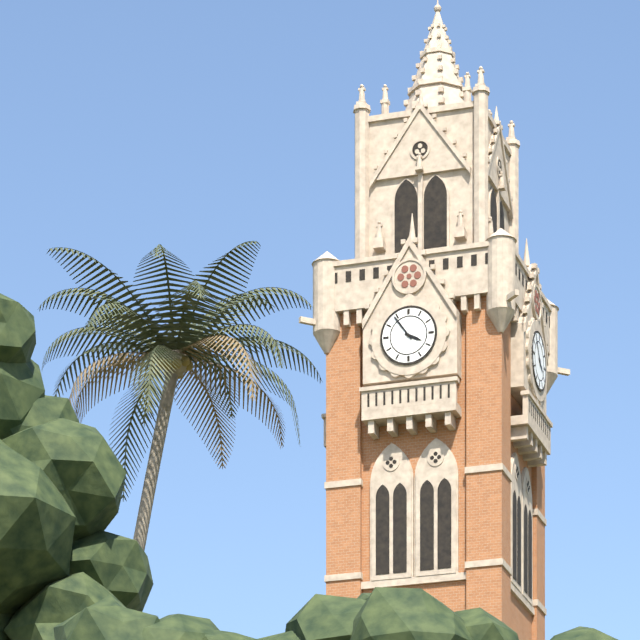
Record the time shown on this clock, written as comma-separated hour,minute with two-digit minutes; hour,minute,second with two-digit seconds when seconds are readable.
3,54
